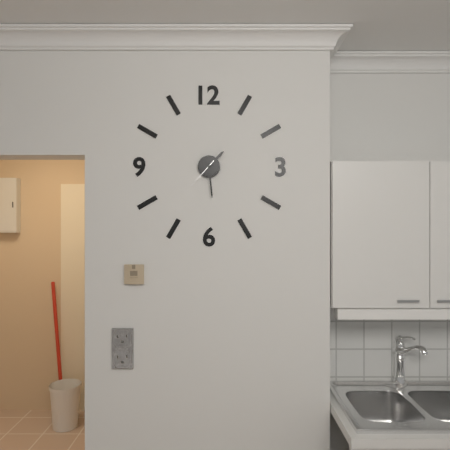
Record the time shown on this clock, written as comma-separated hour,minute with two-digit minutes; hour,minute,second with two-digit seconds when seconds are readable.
1,29
